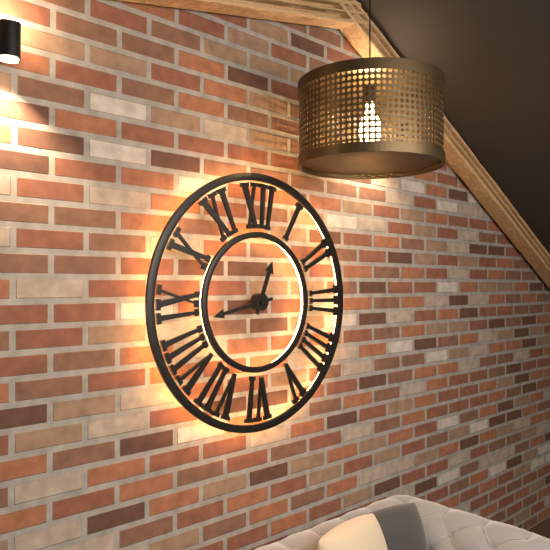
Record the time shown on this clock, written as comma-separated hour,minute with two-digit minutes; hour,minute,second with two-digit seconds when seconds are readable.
12,43
